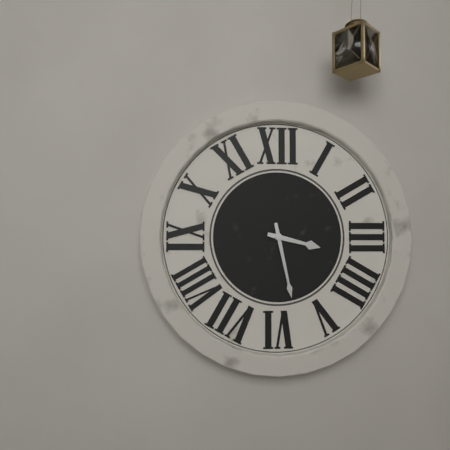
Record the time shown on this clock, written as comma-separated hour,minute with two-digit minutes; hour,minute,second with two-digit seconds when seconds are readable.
3,28
